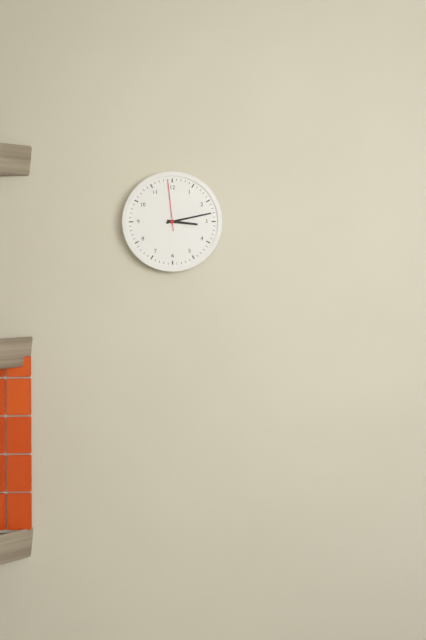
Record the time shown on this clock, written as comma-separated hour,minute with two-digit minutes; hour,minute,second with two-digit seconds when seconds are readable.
3,13,59
